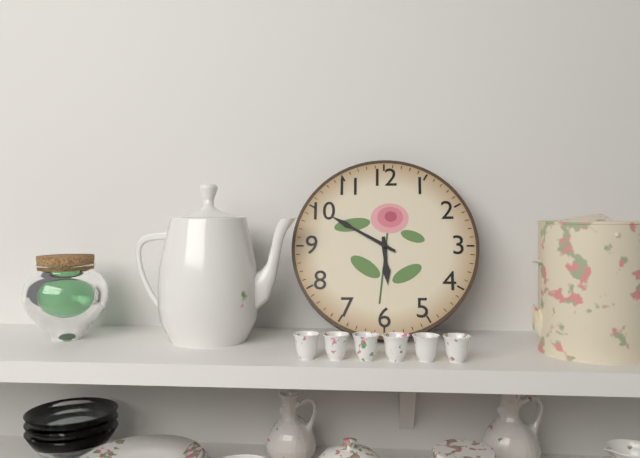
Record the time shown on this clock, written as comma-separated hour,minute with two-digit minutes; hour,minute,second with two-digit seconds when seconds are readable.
5,50
